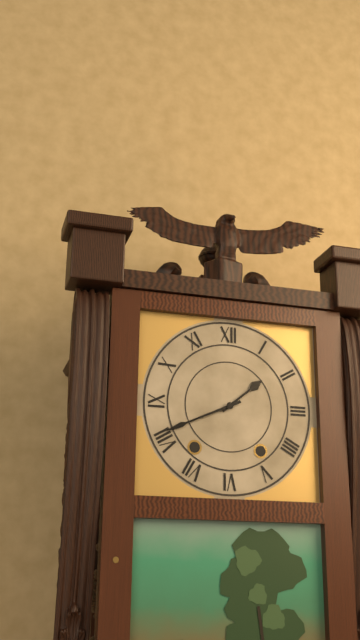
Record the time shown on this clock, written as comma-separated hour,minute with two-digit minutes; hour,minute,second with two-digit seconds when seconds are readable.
1,41
